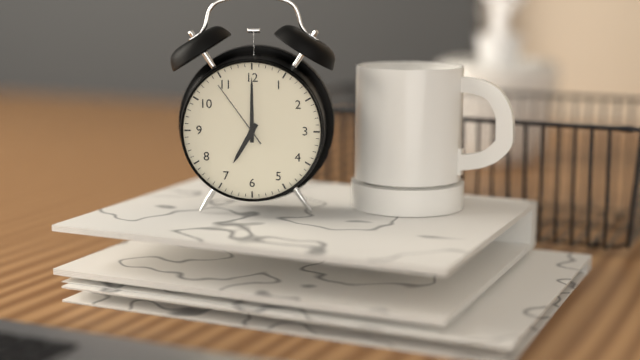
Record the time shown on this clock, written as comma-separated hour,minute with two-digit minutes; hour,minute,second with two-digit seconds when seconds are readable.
7,00,54
